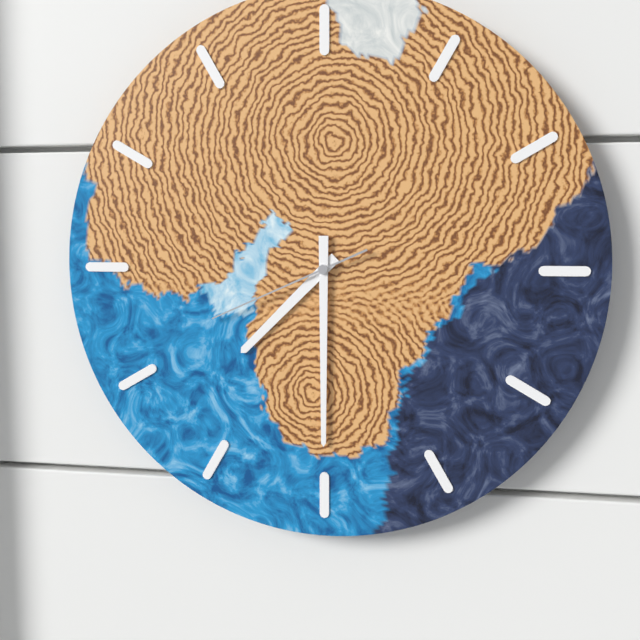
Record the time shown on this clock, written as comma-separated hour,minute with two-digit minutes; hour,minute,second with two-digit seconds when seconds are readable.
7,30,41
